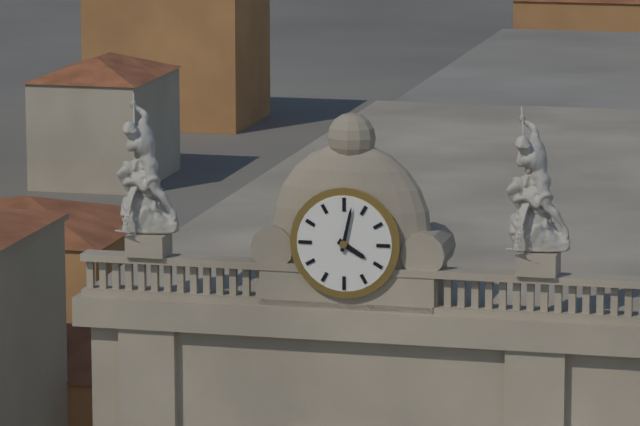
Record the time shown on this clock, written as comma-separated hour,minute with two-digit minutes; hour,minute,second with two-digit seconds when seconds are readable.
4,02
